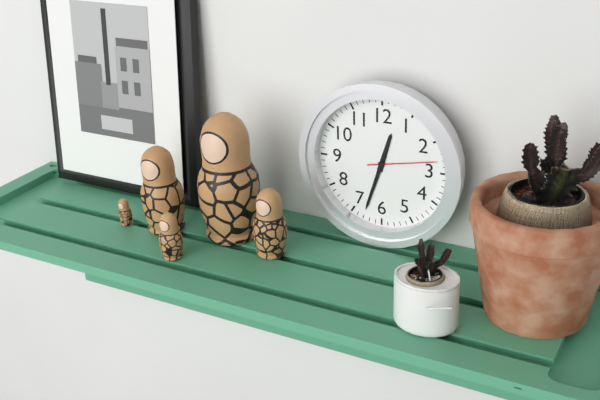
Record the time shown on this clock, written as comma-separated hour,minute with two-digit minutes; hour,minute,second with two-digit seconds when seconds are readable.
12,33,13
